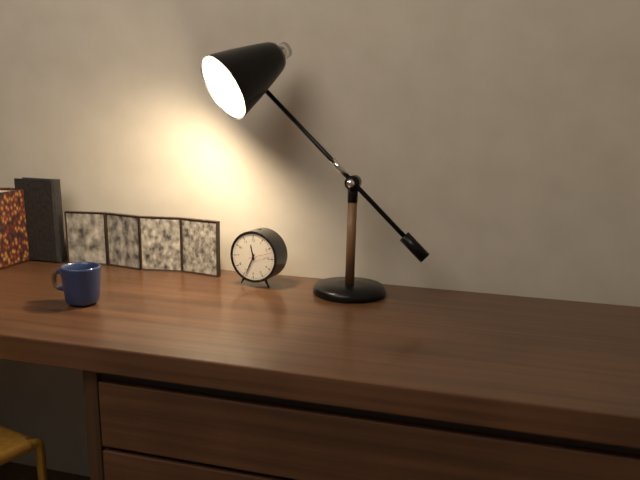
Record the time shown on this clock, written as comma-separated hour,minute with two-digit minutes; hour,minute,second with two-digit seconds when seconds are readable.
11,34
